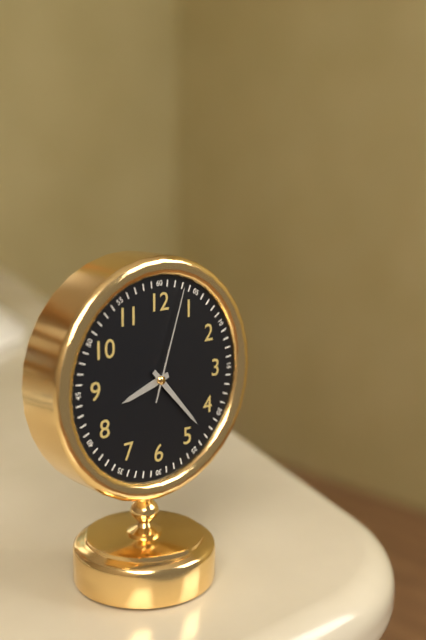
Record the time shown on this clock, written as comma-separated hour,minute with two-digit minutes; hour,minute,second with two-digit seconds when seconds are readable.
8,23,03
